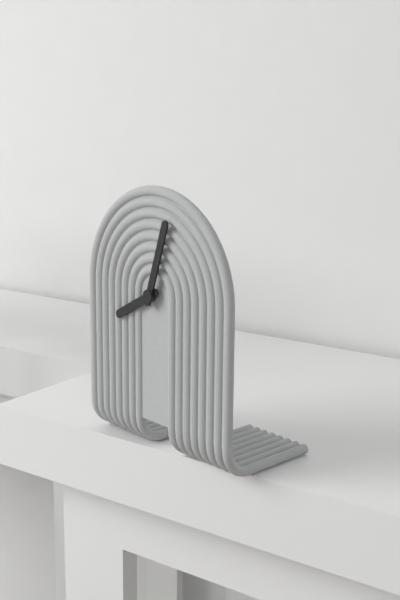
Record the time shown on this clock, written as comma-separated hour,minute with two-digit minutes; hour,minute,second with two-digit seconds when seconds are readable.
8,03
